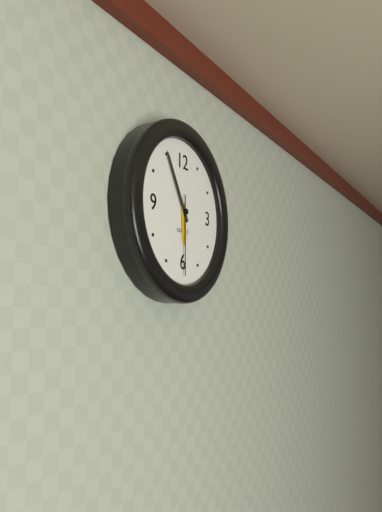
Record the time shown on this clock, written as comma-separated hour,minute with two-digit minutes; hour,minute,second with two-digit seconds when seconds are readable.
5,55,30
